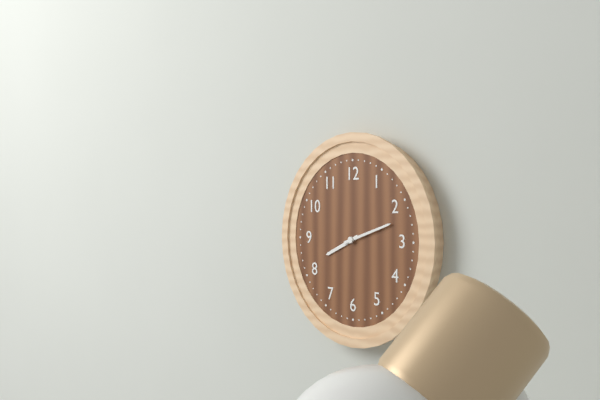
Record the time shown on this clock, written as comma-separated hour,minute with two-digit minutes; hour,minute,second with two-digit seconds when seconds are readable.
8,12
